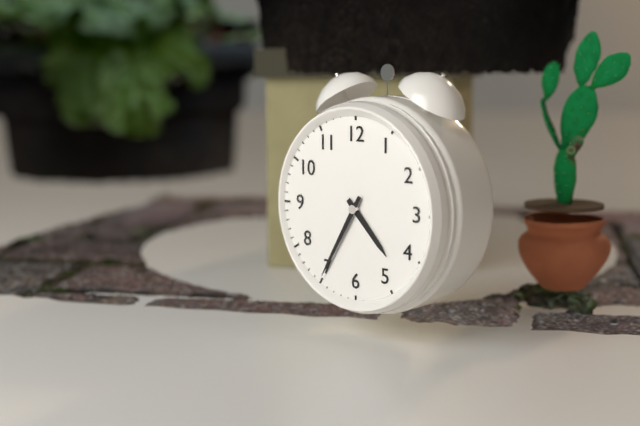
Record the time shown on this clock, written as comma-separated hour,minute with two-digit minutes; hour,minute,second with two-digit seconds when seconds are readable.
4,35
